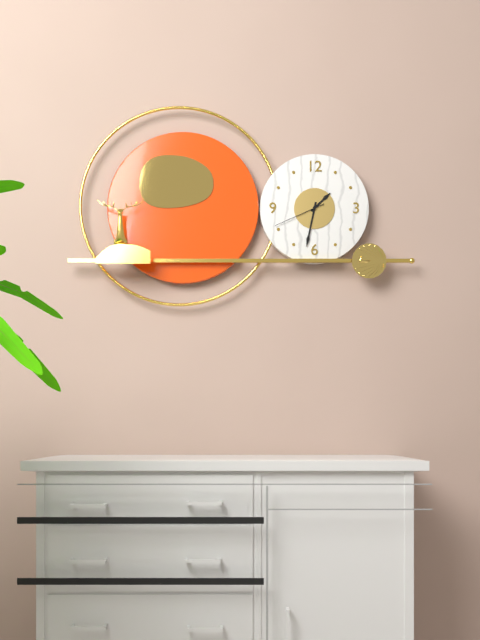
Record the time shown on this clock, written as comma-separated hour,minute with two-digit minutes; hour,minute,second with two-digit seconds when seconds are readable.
1,32,41
